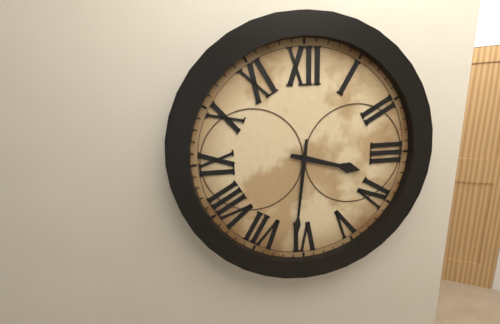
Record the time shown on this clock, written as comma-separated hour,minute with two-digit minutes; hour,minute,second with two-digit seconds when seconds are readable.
3,31
